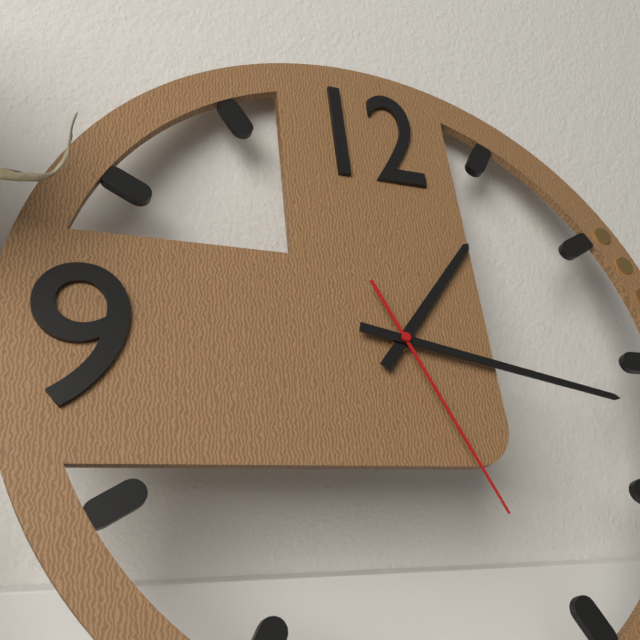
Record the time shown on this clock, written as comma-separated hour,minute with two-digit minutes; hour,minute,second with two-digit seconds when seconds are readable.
1,17,26
